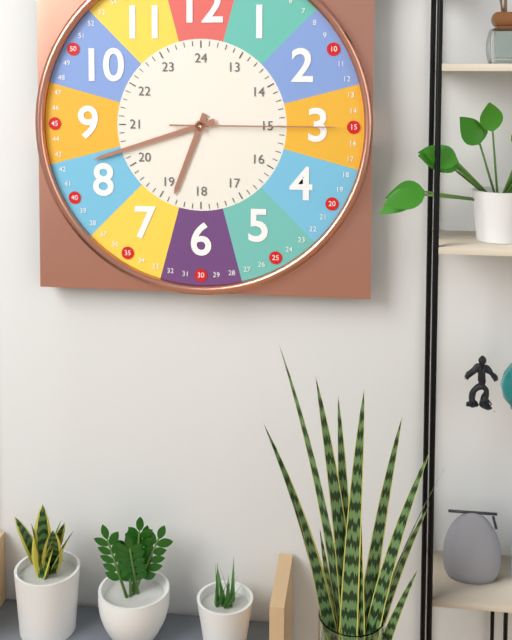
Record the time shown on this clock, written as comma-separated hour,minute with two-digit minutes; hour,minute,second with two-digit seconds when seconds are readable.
6,42,15
